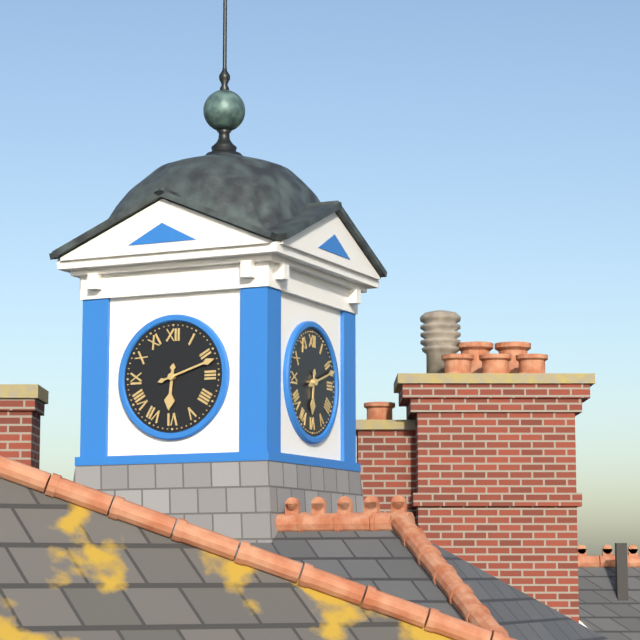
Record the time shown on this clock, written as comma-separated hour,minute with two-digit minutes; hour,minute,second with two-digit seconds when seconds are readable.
6,12
